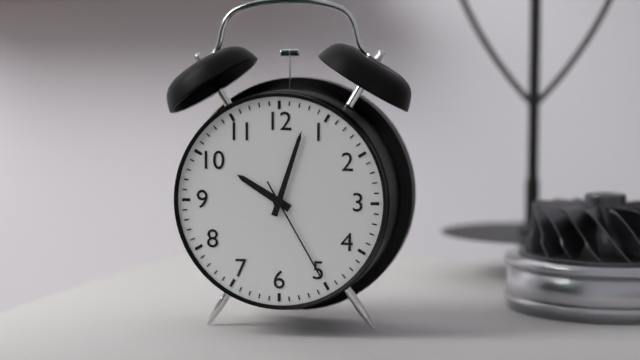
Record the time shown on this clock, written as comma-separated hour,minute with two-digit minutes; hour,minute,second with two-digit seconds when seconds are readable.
10,03,25
